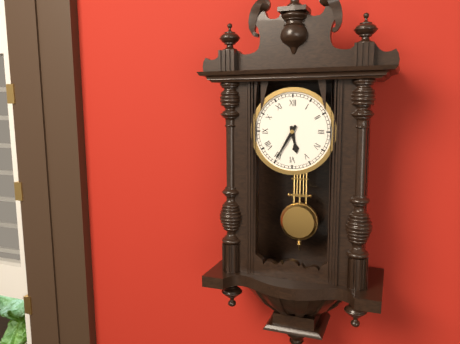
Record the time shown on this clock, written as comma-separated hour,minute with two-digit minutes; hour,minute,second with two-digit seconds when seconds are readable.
5,35
